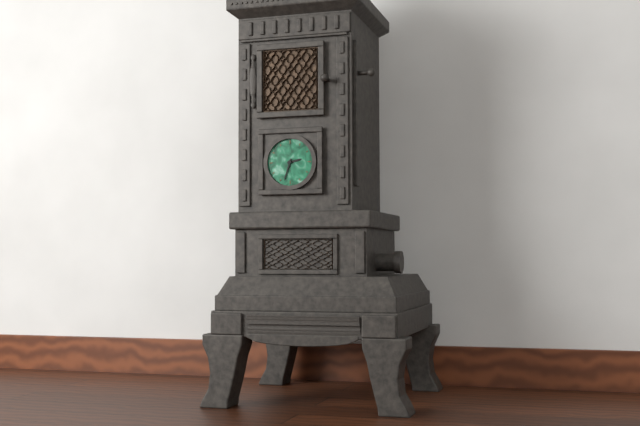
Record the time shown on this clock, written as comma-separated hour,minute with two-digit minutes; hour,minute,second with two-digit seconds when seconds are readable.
2,33
